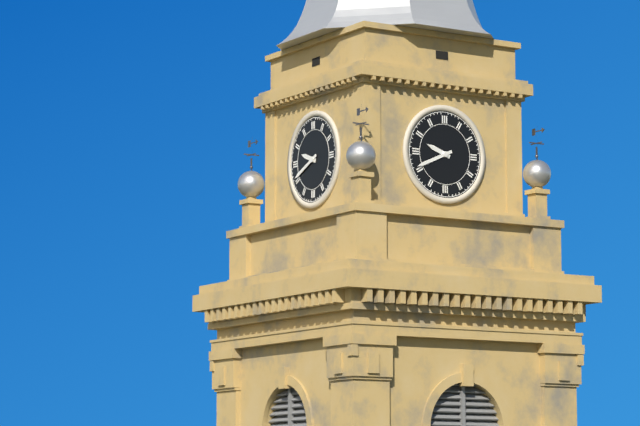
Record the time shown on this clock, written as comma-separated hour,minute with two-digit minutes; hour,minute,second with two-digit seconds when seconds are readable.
9,41
